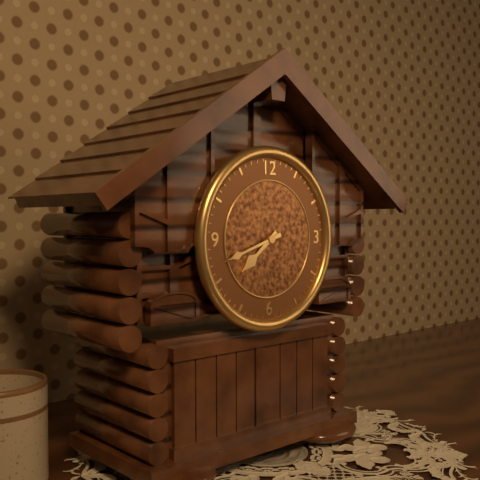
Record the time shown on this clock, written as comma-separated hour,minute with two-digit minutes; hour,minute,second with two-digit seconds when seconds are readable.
7,42
